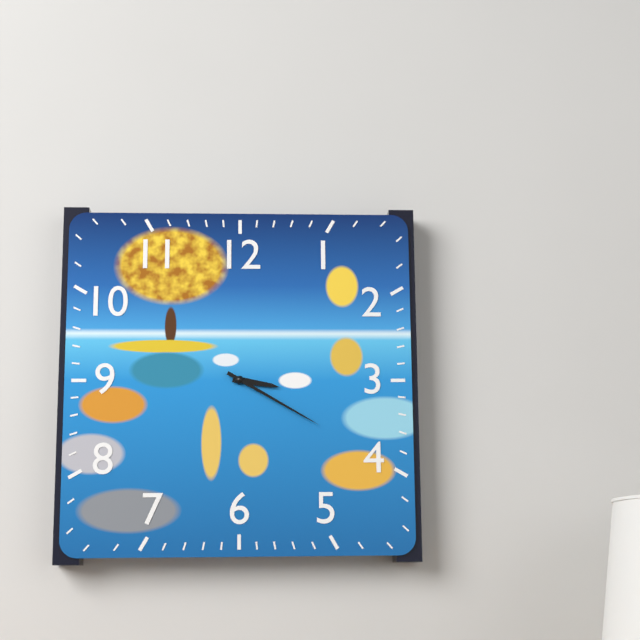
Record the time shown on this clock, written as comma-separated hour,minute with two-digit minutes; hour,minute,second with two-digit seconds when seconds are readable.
3,20
